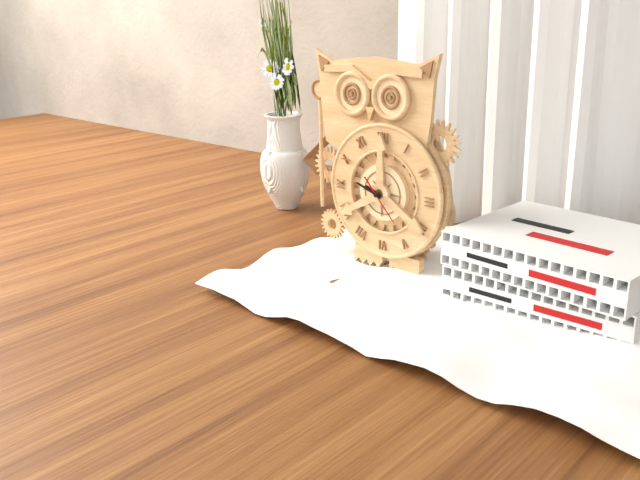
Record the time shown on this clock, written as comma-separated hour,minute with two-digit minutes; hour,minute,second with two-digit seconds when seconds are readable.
9,48
